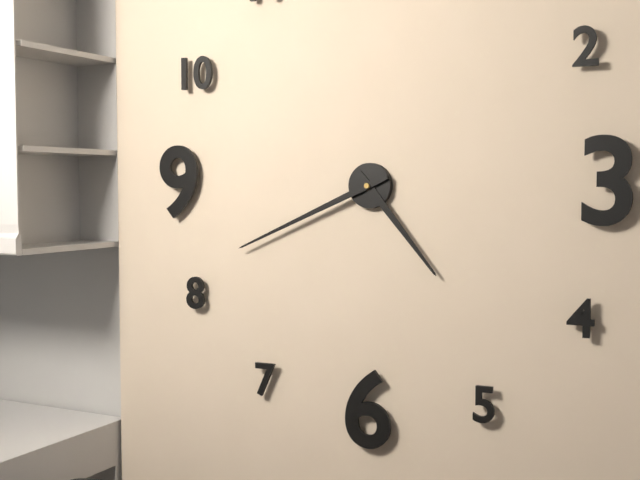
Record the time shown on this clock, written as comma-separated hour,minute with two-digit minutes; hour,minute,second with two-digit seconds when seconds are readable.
4,41
